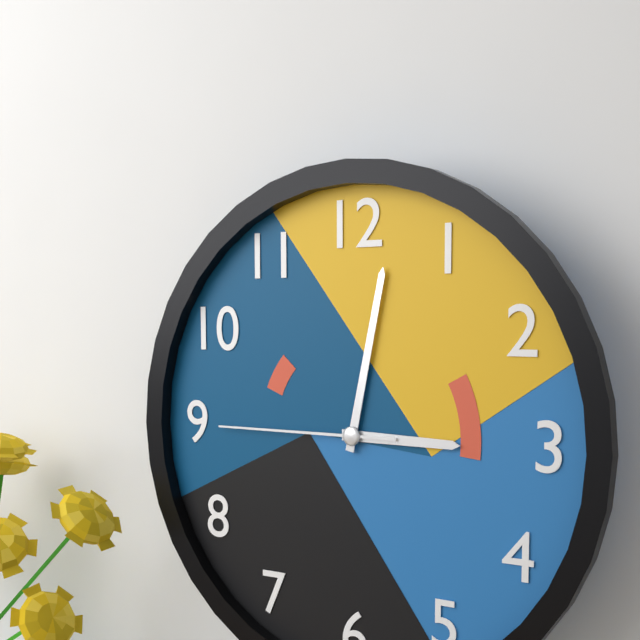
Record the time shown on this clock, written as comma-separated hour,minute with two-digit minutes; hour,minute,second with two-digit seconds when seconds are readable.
3,02,45
